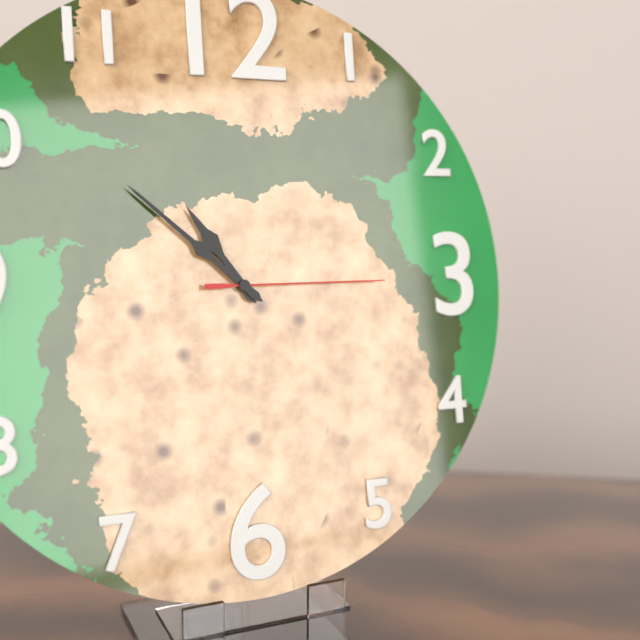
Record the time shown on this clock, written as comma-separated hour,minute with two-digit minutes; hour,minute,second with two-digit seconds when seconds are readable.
10,52,15
